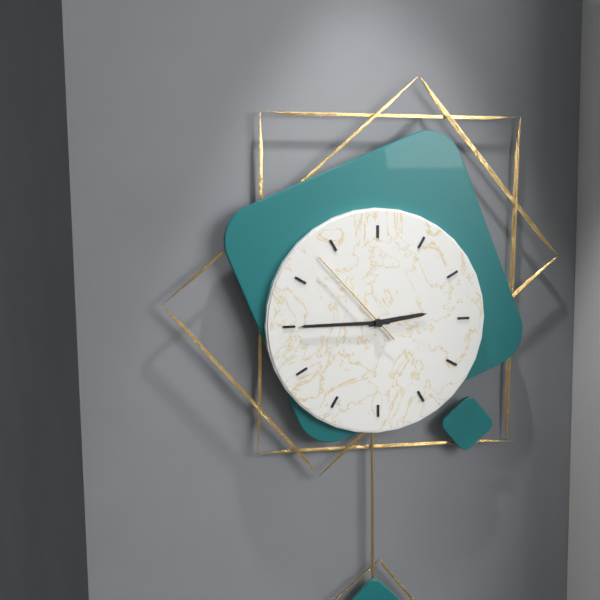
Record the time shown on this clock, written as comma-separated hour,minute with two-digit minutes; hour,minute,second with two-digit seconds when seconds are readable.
2,45,53
